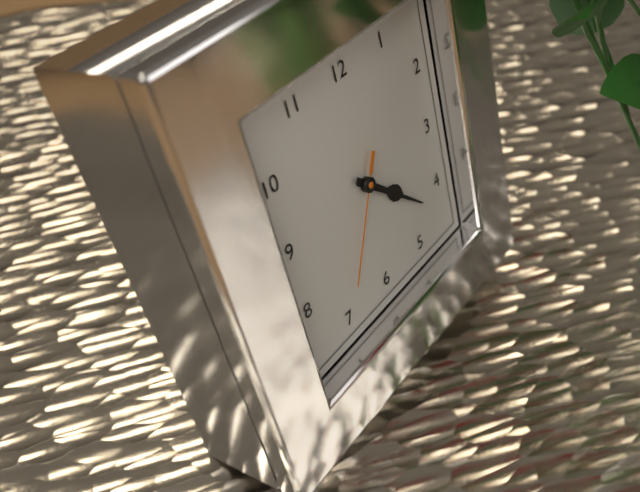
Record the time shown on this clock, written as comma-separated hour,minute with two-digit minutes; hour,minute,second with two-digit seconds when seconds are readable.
4,22,35
